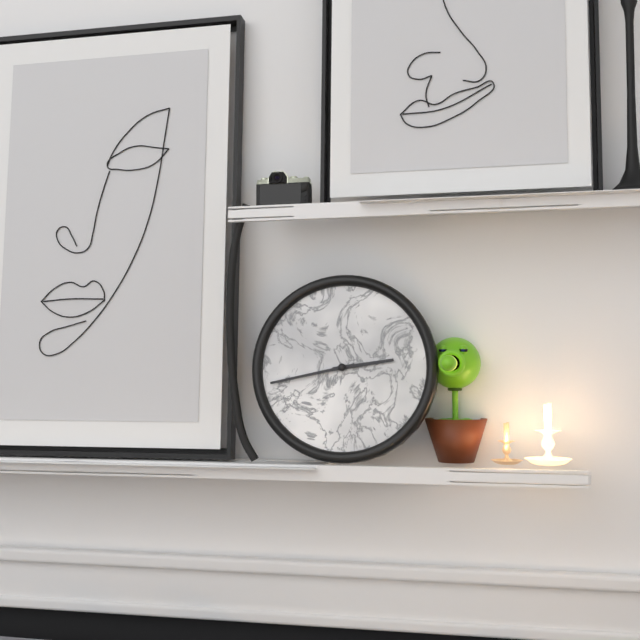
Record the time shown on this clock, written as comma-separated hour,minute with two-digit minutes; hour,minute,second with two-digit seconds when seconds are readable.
2,43
